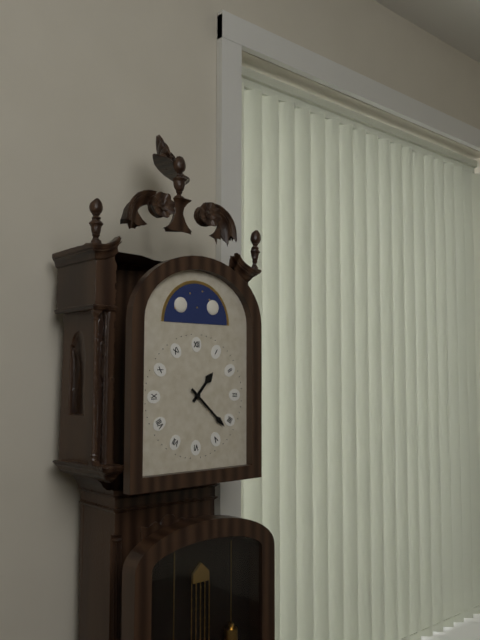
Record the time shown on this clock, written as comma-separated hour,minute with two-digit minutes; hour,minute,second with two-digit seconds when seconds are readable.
1,22
